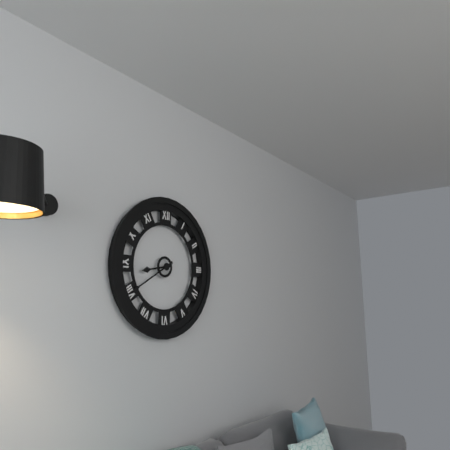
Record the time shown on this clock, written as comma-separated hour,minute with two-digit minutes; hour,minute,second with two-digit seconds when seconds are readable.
8,40
